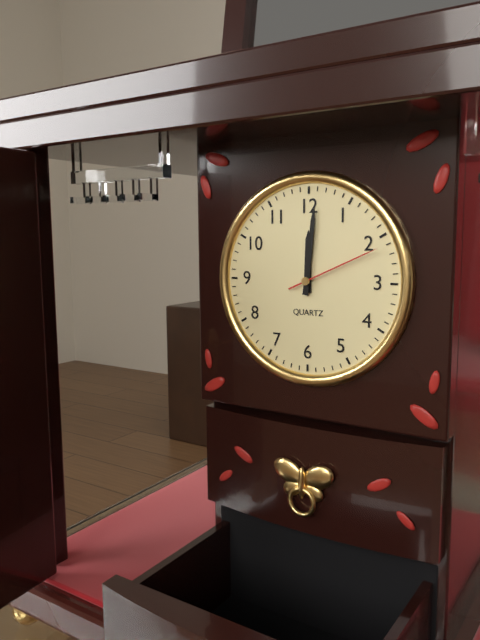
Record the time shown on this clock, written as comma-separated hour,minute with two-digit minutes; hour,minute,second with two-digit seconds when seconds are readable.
12,01,11
